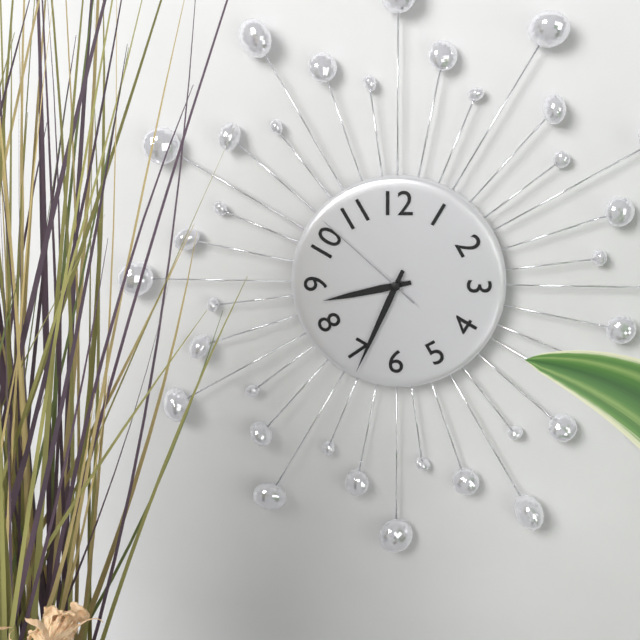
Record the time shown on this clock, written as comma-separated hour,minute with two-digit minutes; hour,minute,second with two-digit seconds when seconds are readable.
8,34,52
